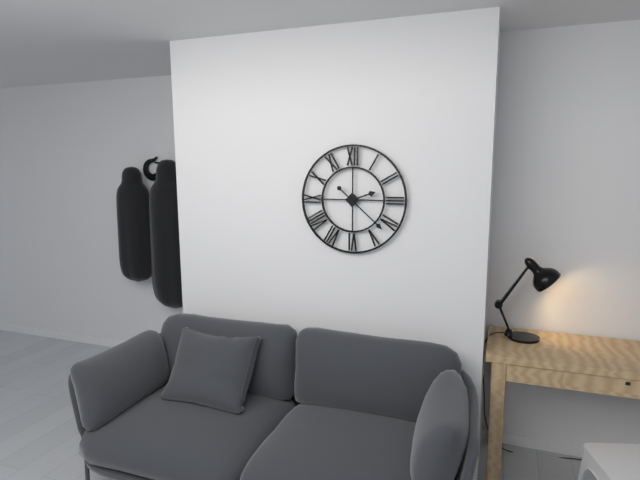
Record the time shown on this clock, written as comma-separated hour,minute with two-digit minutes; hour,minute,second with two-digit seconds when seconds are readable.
2,22
